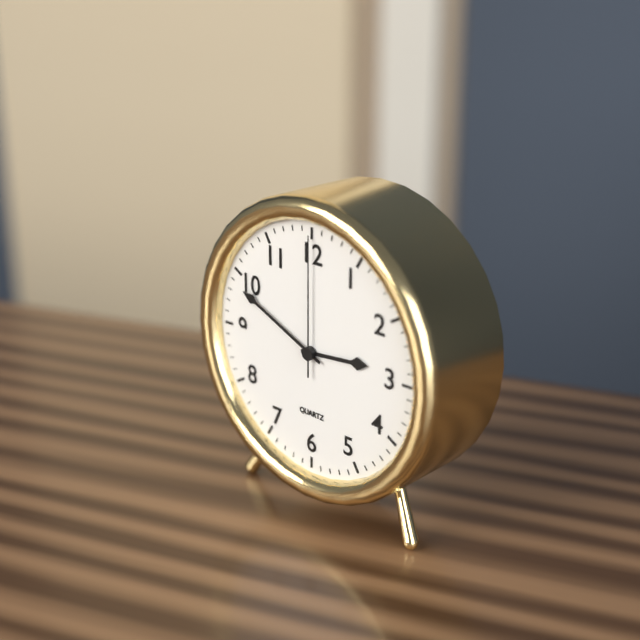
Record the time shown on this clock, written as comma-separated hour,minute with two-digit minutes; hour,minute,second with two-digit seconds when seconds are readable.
2,49,00
